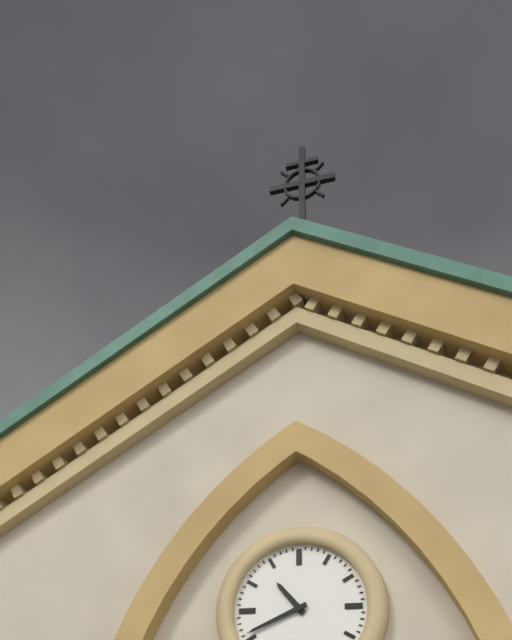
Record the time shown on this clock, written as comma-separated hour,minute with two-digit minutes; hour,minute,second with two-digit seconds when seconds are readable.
10,41
